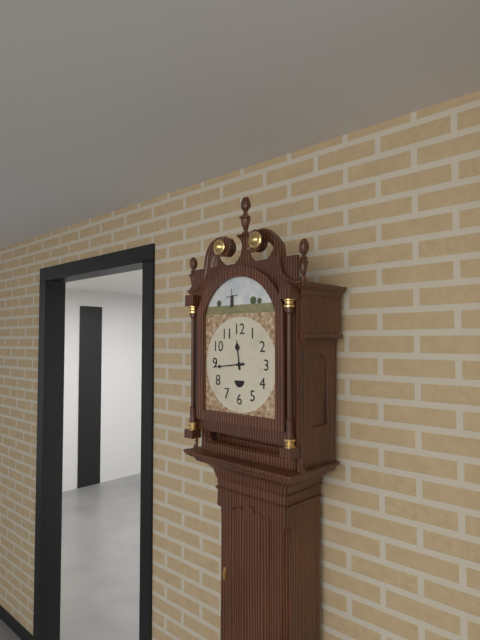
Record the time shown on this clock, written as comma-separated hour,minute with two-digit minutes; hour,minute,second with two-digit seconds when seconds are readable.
11,44
